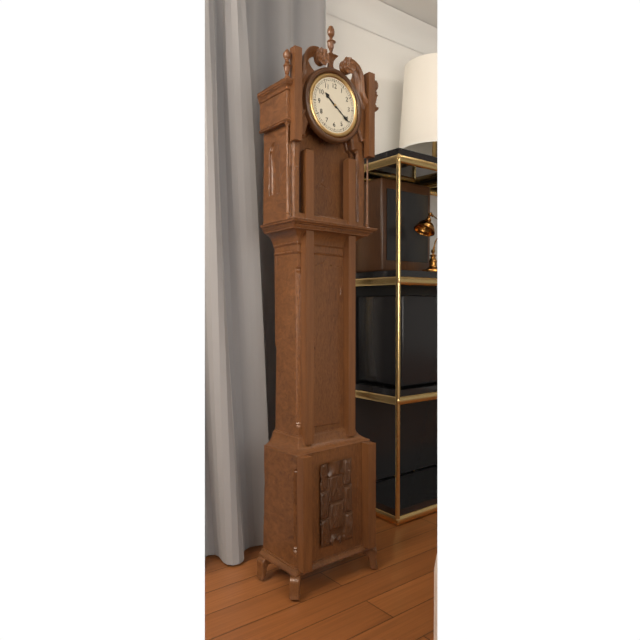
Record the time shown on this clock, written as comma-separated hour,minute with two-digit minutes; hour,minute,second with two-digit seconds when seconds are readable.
10,21
